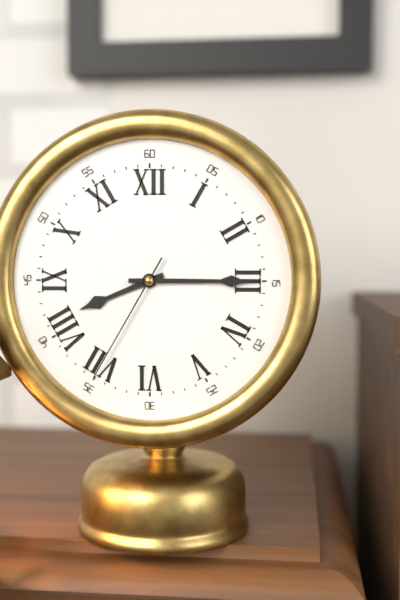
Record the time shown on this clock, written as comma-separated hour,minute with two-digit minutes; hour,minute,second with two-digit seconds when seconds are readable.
8,15,35
